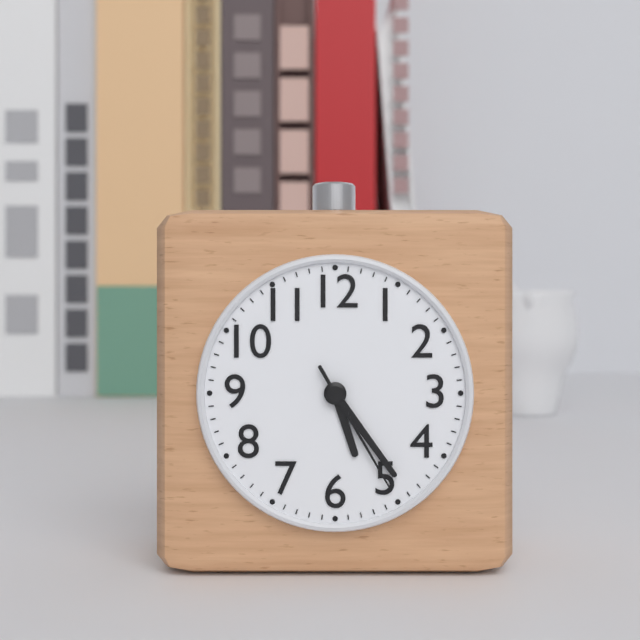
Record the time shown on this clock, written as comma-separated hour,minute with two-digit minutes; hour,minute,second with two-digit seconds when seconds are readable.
5,24,25
